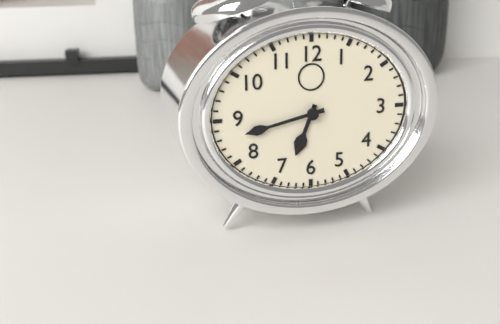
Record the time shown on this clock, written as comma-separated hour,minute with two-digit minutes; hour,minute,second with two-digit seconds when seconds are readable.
6,43
